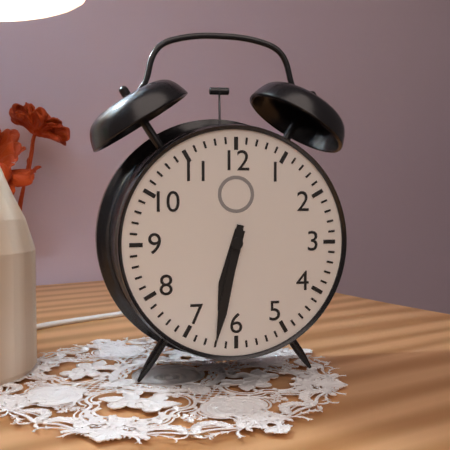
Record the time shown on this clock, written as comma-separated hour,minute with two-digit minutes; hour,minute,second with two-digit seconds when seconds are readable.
6,32
